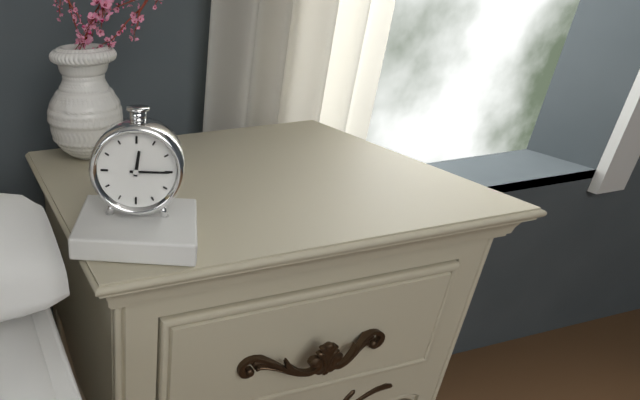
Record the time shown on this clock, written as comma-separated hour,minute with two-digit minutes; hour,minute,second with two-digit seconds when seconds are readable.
12,15
